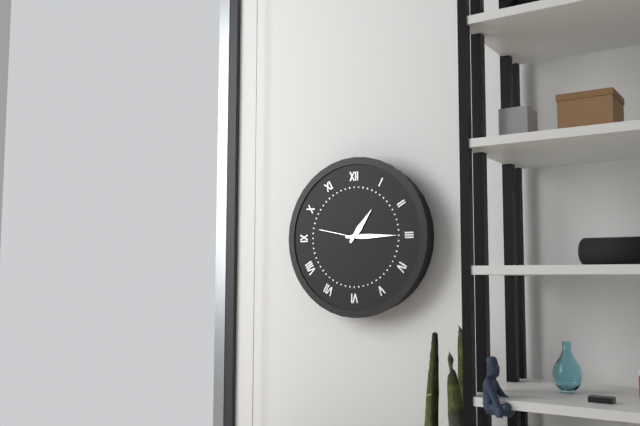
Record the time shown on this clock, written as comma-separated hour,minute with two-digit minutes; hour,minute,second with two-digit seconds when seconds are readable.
1,15
